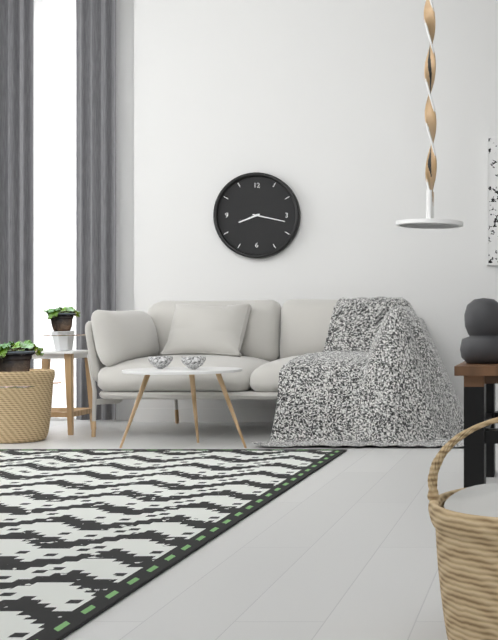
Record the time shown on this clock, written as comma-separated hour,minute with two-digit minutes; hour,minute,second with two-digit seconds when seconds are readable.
8,17
